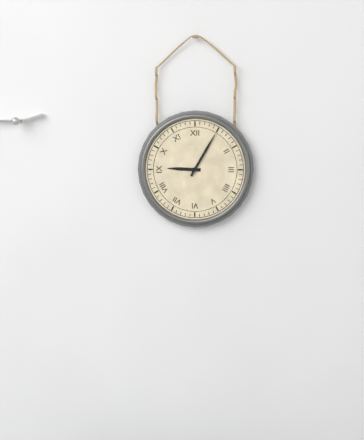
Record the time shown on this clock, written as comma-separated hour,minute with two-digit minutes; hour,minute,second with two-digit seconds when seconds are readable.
9,05
